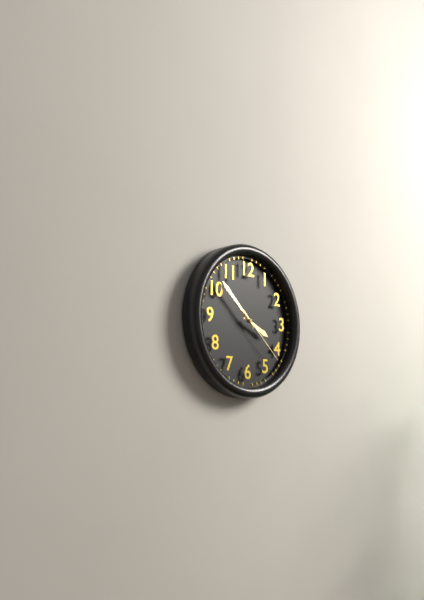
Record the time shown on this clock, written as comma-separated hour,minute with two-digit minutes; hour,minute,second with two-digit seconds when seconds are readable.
3,52,22
